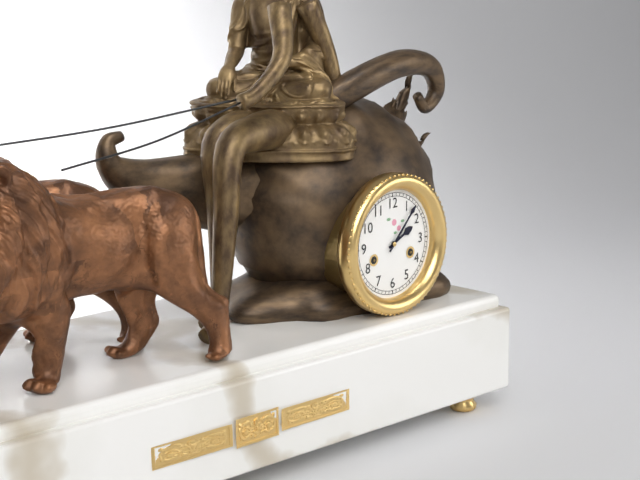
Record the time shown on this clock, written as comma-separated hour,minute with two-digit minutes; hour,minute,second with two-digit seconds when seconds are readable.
2,07
